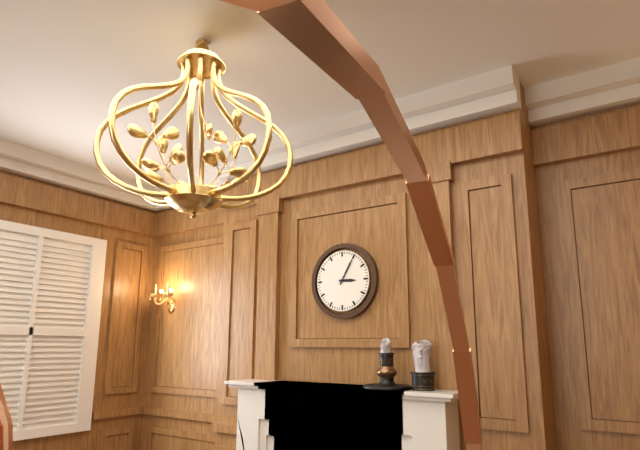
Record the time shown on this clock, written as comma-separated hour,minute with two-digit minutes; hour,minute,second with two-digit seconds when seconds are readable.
3,05
